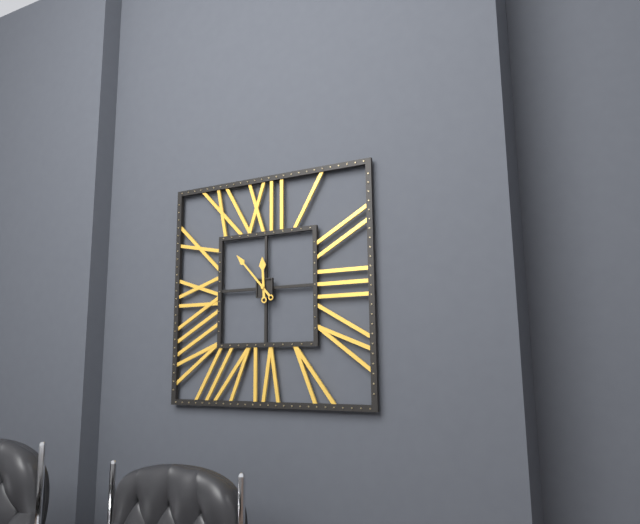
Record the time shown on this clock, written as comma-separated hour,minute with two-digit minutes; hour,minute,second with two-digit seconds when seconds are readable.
11,53
